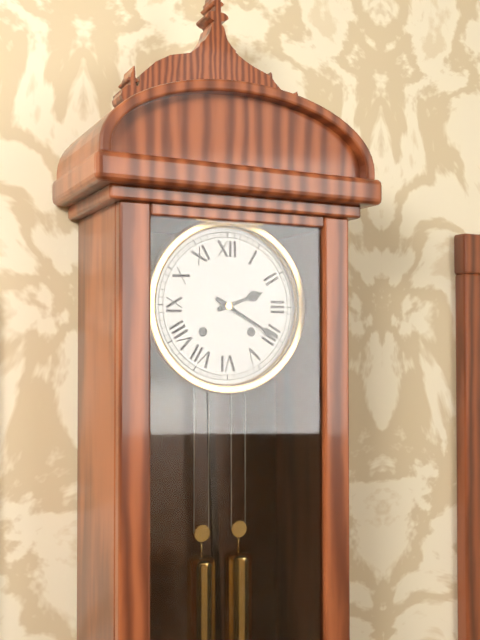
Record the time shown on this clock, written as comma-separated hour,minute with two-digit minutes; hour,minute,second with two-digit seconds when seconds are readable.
2,20
